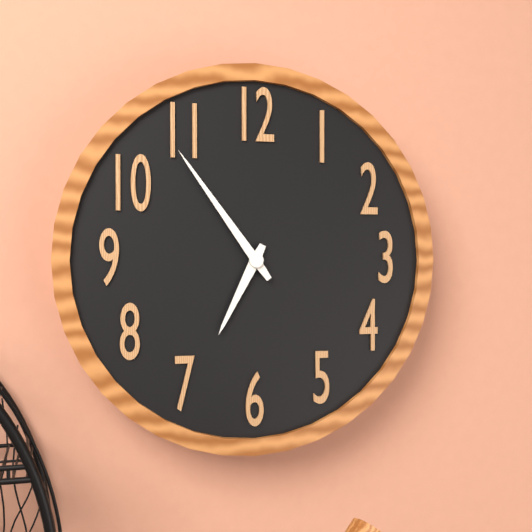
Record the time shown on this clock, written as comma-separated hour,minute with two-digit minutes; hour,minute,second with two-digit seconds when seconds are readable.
6,54
